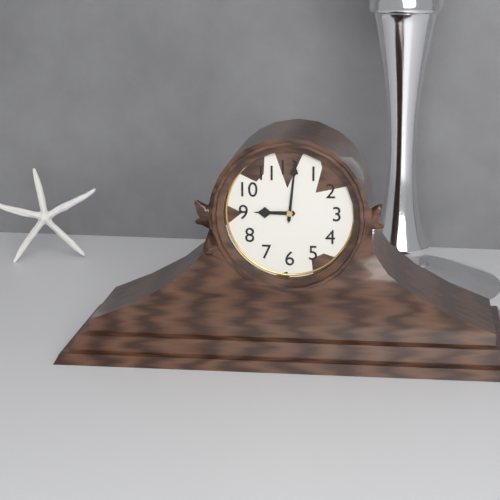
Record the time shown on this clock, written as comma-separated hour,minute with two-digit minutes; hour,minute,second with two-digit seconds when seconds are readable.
9,01
